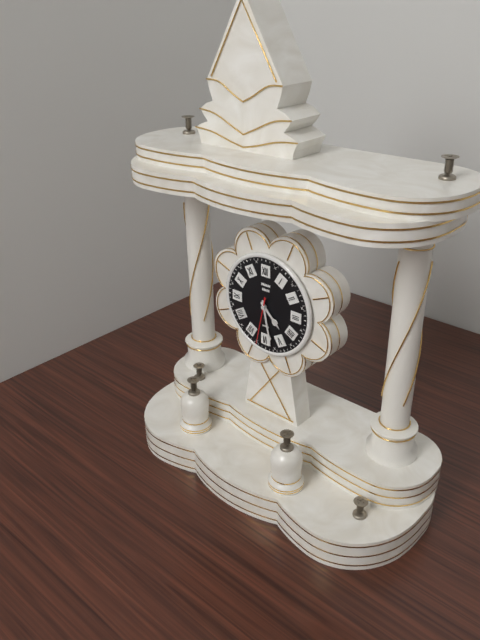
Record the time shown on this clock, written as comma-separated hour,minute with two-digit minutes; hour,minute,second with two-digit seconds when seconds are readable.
4,28
